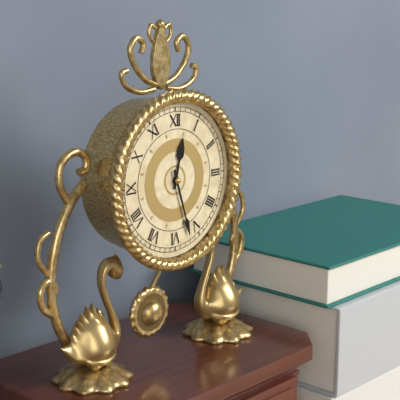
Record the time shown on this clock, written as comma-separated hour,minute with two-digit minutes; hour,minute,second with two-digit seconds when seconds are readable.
12,27
